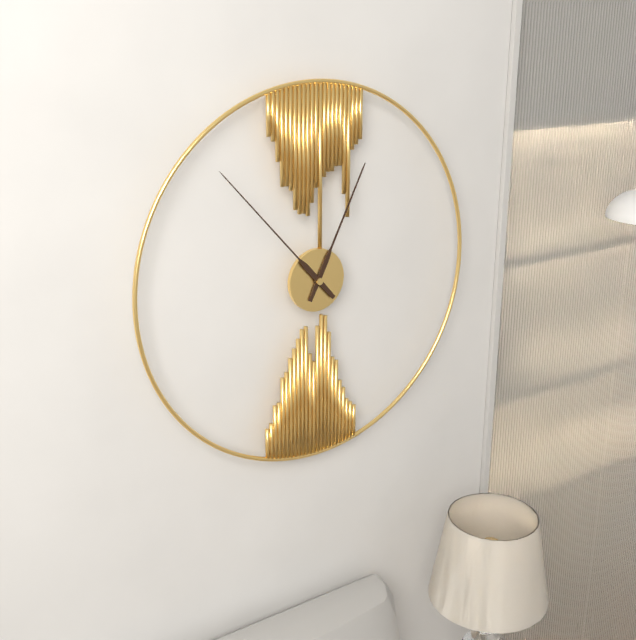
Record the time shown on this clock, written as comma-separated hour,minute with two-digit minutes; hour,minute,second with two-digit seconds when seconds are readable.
12,53
